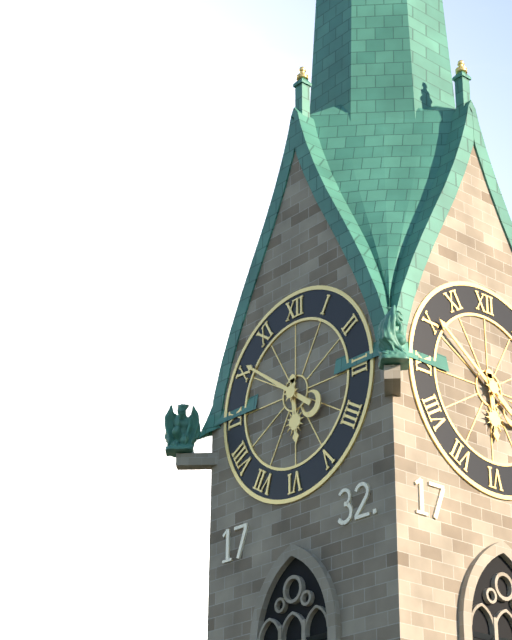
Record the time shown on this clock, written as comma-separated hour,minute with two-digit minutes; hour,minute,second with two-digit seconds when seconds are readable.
5,51
